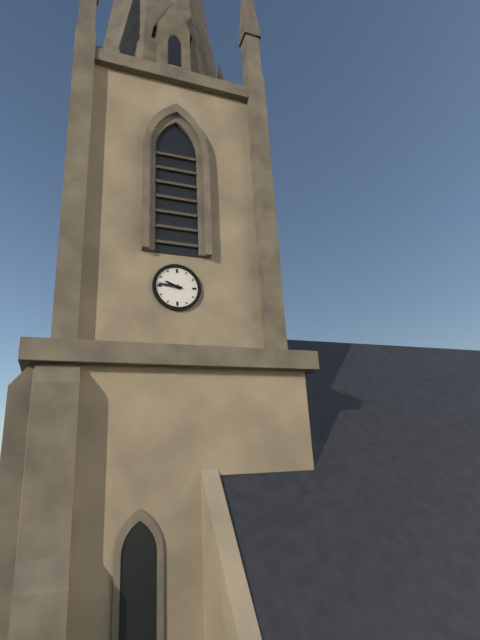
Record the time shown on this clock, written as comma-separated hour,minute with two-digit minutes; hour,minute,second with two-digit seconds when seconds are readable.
9,46
